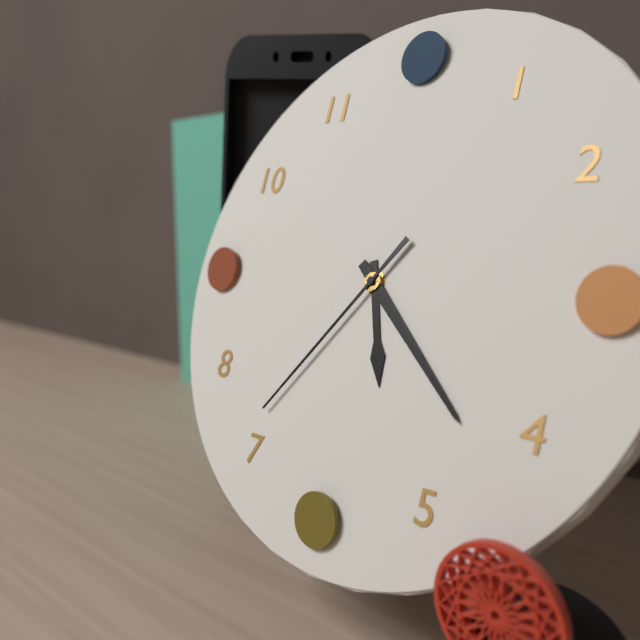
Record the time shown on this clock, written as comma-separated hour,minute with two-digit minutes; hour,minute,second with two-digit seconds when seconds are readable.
5,22,36
